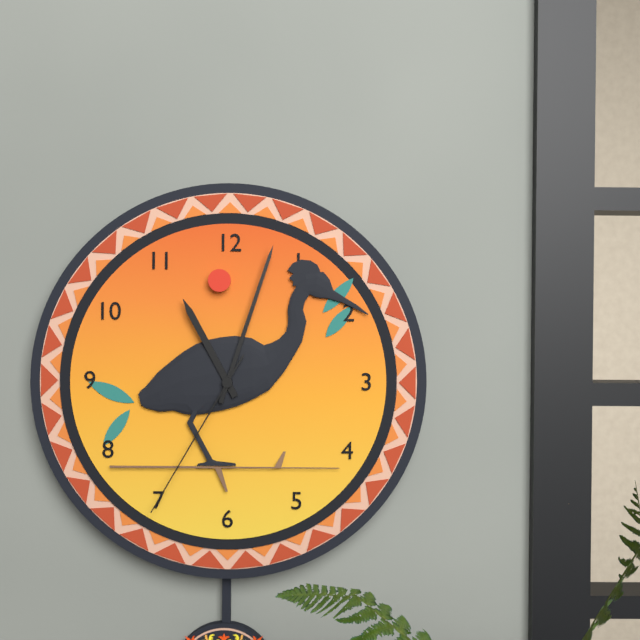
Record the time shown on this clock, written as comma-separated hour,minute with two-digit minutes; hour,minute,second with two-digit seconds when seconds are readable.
11,03,35
